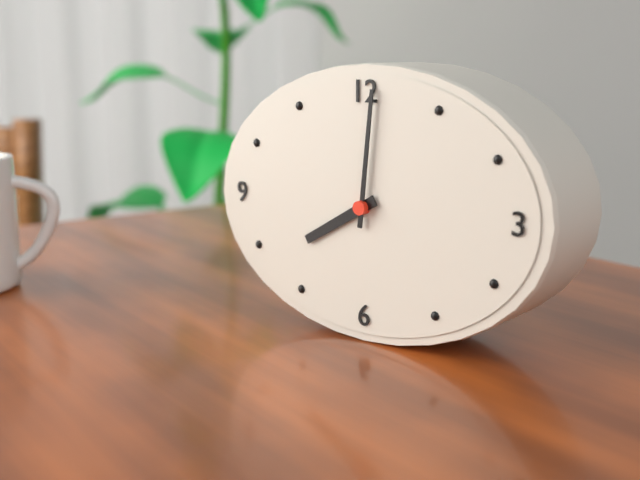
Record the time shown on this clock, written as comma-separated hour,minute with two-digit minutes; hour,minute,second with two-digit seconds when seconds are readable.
8,01
